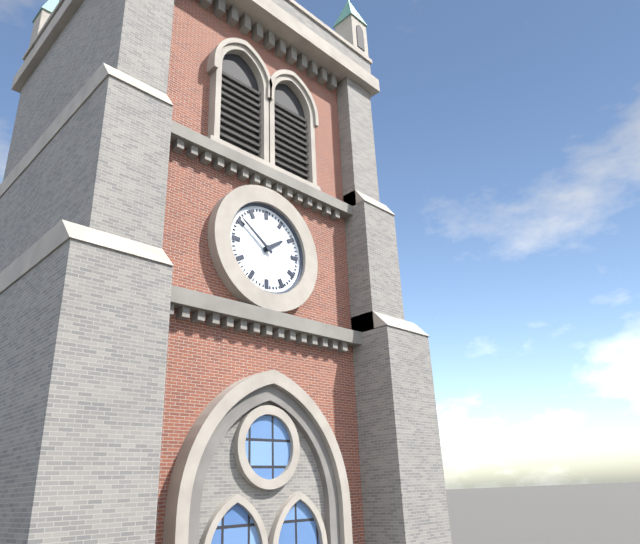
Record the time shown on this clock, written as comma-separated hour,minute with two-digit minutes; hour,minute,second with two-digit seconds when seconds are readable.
1,51
